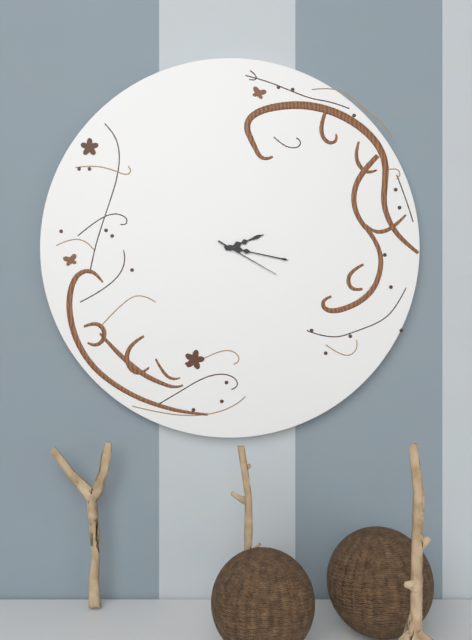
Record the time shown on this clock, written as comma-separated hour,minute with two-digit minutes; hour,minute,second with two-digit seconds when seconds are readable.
2,17,20
